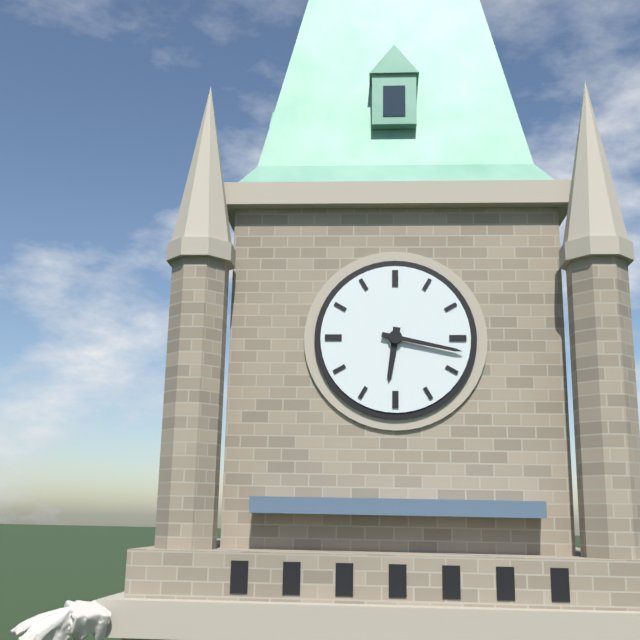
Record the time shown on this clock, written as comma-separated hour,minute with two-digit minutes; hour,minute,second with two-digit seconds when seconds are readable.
6,17
